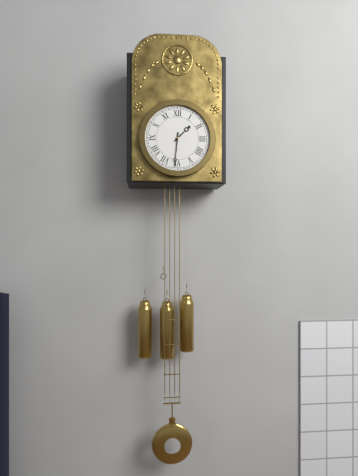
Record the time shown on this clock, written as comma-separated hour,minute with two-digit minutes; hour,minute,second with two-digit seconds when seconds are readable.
1,31
